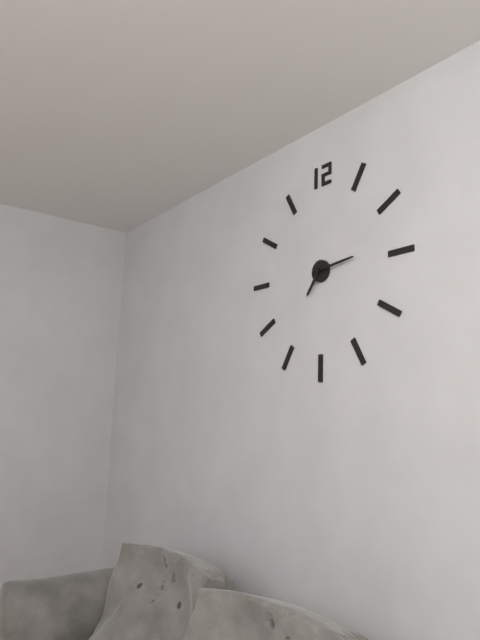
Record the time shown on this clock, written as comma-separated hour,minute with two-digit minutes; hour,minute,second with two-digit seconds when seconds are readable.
7,14
